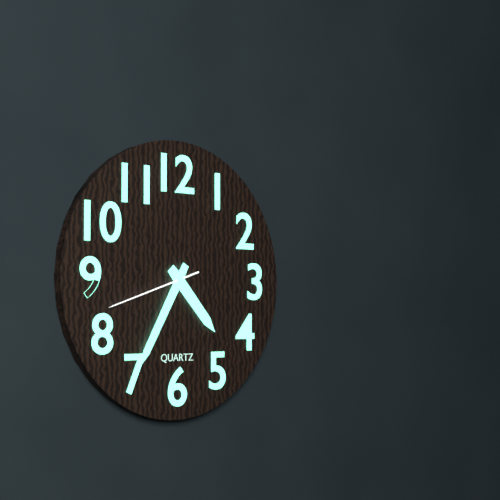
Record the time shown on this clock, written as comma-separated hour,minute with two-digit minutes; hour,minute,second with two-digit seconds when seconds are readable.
4,35,42
